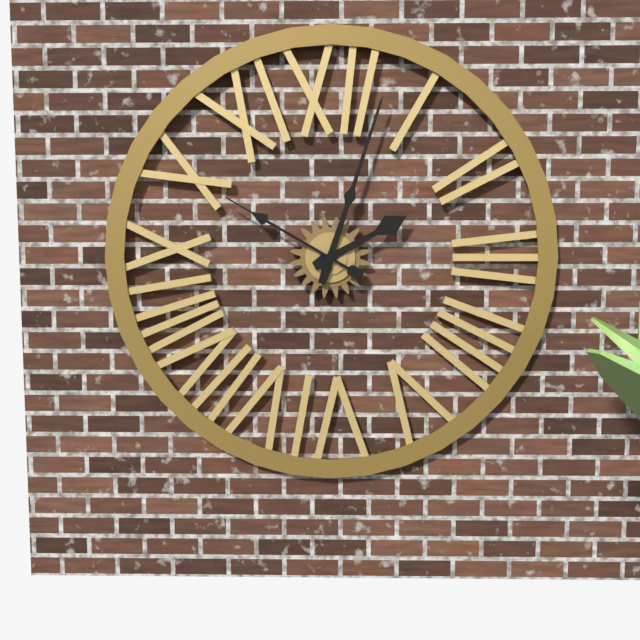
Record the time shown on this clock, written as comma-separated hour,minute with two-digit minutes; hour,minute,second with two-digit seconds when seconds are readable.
2,03,50
